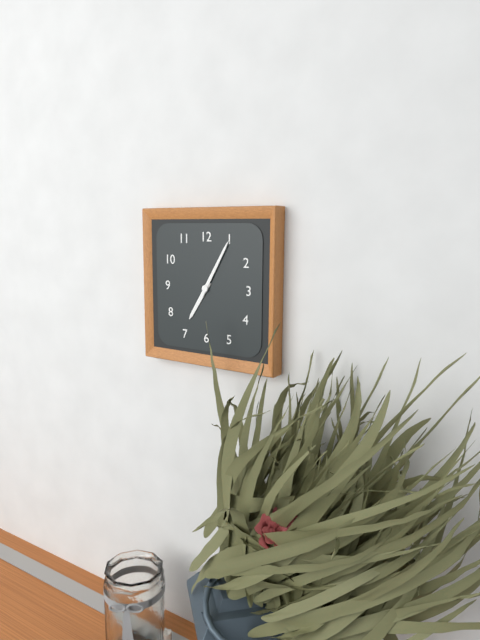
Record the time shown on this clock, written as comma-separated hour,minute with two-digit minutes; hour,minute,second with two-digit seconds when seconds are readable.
7,05
